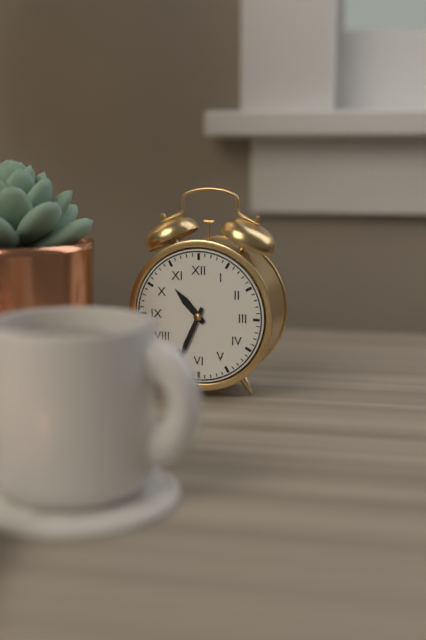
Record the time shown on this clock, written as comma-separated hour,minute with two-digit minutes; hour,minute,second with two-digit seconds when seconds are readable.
10,34
